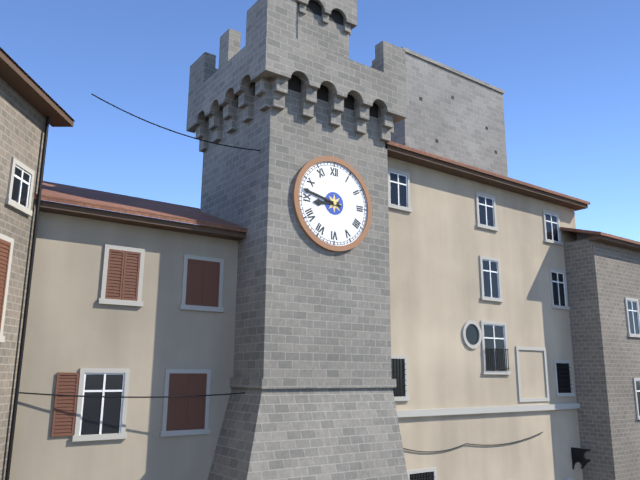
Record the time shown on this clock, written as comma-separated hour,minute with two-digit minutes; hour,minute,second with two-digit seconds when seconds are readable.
8,47
